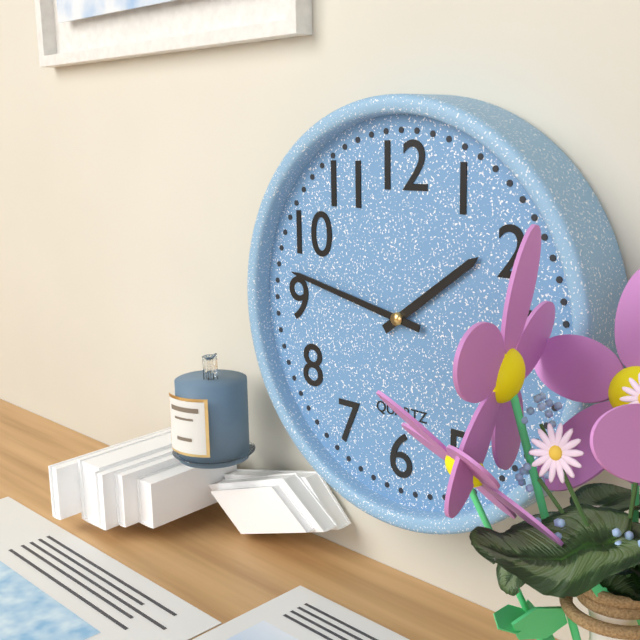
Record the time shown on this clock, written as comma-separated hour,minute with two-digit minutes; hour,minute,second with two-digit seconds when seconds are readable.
1,47
